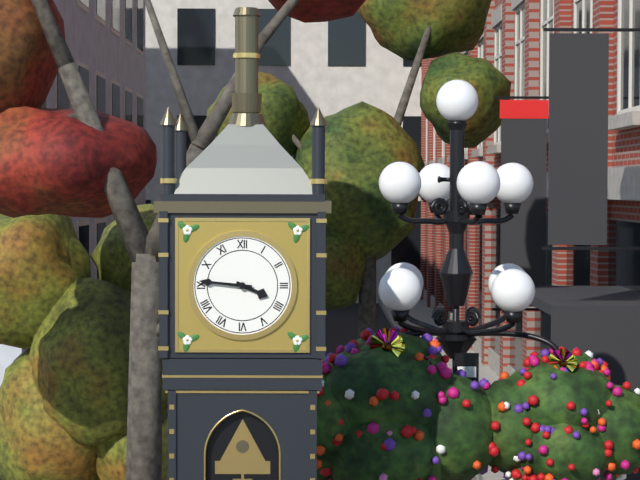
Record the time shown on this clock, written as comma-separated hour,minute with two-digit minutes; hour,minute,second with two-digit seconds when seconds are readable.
3,46
